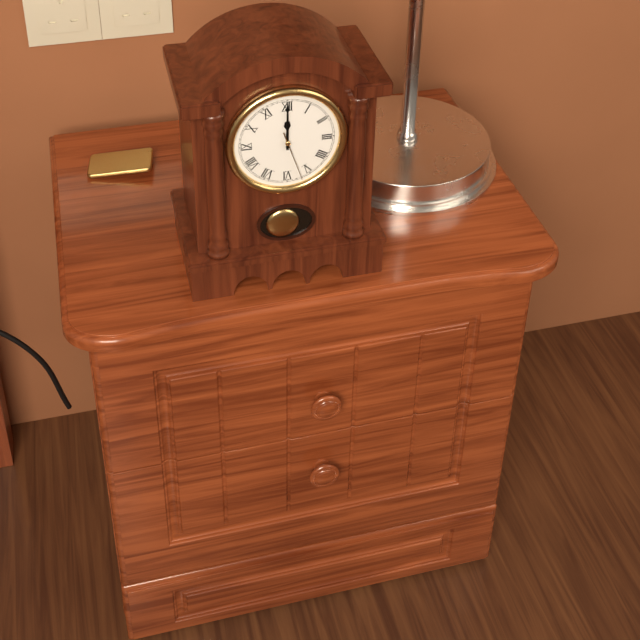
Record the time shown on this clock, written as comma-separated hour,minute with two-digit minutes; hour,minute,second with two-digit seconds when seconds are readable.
12,00
